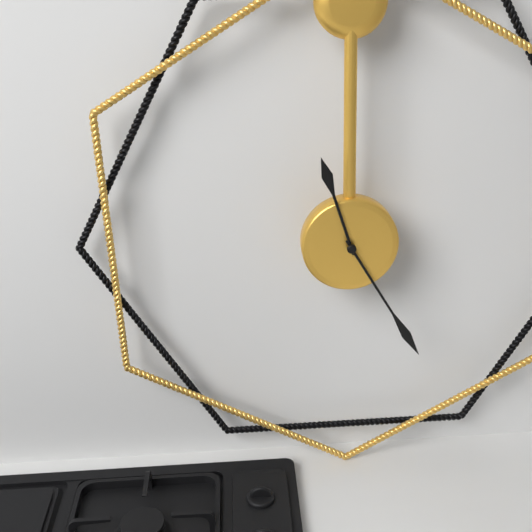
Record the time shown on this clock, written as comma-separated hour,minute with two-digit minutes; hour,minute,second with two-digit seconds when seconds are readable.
11,25
